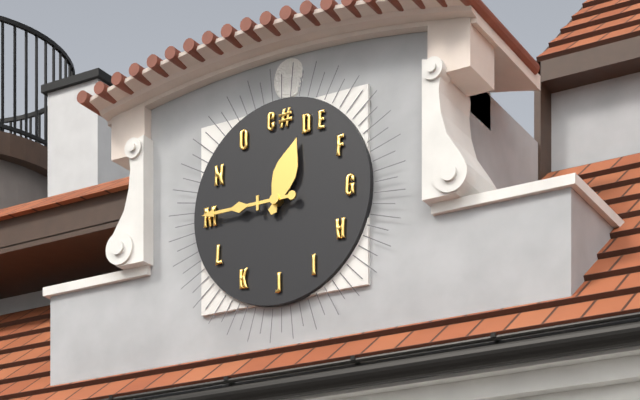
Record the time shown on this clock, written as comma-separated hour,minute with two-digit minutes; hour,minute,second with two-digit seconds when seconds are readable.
12,45
